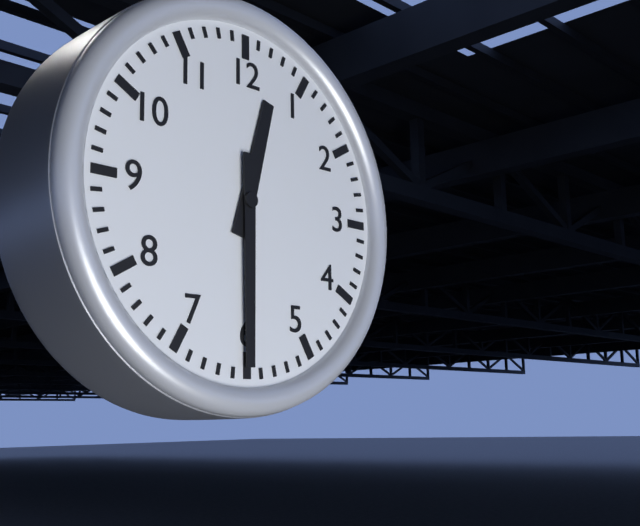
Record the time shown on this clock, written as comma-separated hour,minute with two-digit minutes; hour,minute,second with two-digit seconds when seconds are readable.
12,30
